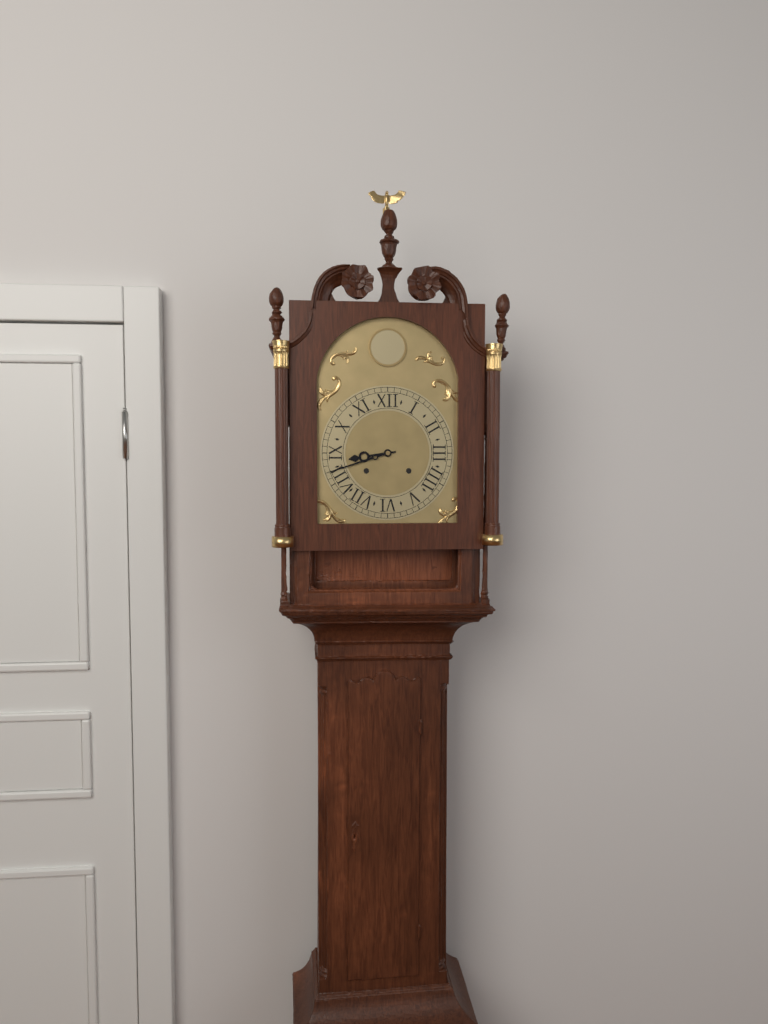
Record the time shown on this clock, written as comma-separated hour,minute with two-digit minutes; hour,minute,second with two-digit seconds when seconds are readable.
8,42
